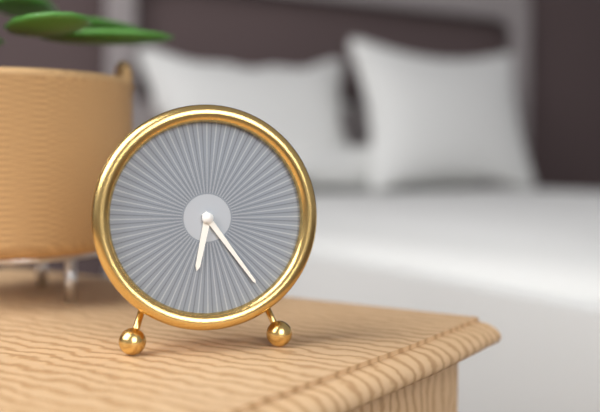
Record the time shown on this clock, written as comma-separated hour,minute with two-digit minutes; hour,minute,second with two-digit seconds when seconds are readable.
6,24
